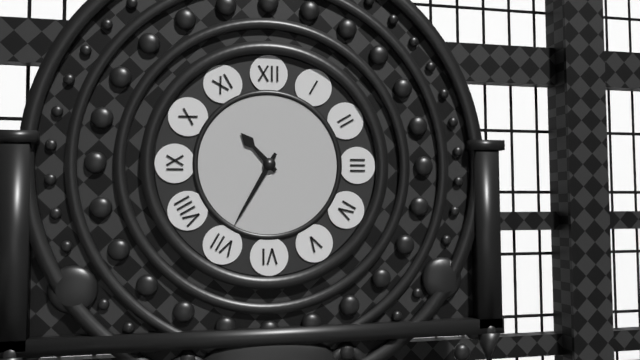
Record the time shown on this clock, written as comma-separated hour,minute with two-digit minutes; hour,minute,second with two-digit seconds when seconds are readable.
10,35
